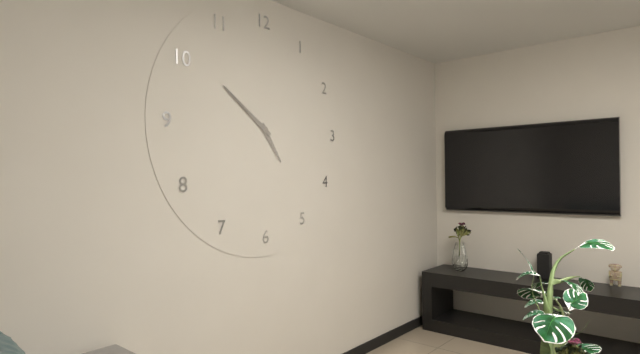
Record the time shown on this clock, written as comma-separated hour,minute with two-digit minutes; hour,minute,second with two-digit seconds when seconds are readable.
4,51
